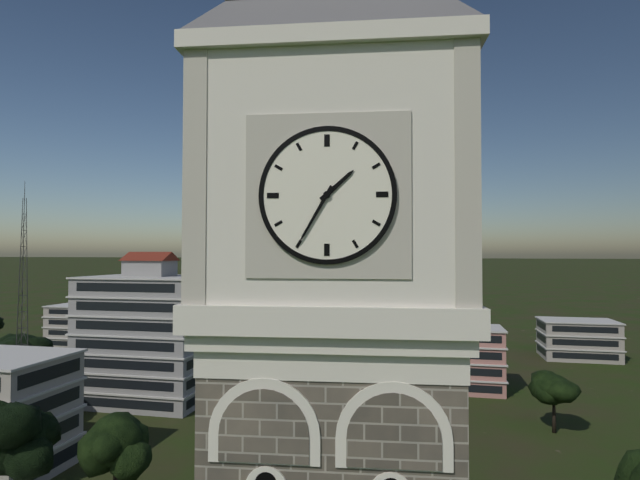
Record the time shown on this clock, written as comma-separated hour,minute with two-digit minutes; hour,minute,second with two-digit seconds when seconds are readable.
1,35
